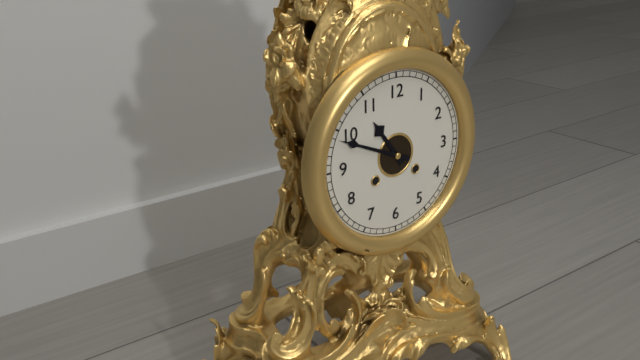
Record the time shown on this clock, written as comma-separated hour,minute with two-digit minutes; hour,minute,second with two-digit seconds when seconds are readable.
10,49
